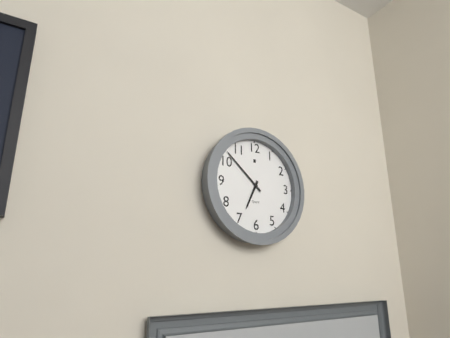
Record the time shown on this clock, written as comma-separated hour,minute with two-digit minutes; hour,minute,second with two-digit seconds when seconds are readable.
6,52
